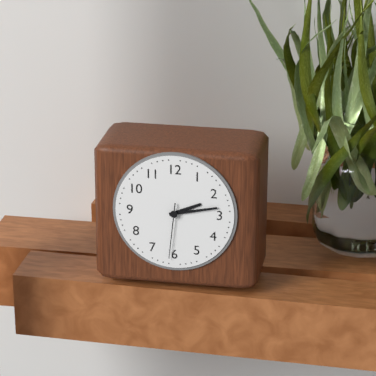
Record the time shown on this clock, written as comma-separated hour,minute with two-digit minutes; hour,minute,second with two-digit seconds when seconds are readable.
2,13,31
